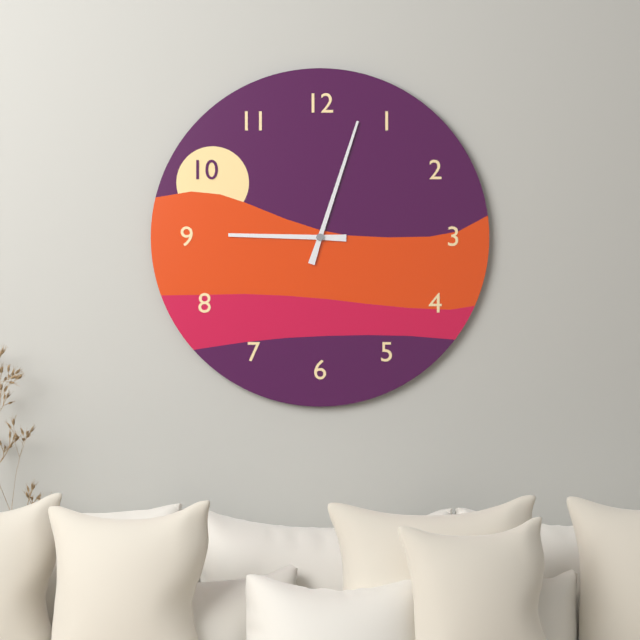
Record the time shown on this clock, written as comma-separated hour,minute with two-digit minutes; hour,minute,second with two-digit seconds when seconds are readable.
9,03
